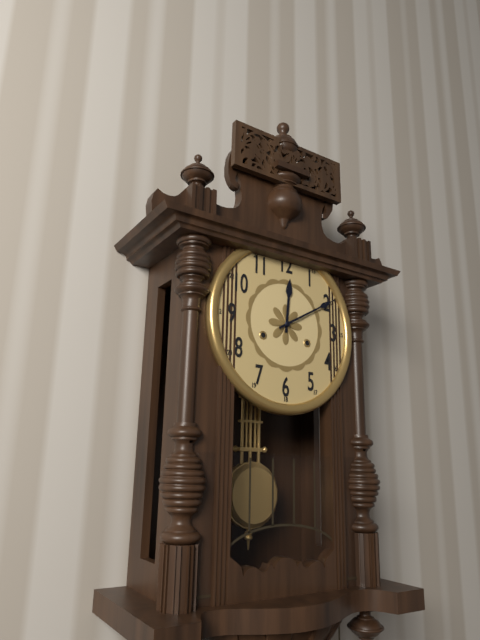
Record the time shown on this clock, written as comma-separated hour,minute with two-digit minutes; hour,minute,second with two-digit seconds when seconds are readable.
12,10
